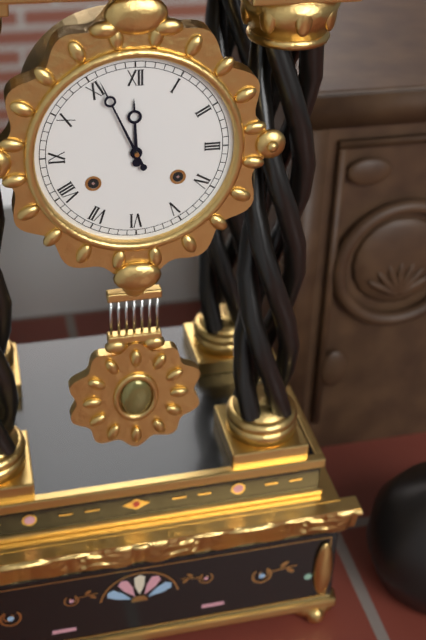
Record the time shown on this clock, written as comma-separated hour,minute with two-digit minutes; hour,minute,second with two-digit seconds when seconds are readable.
11,56
